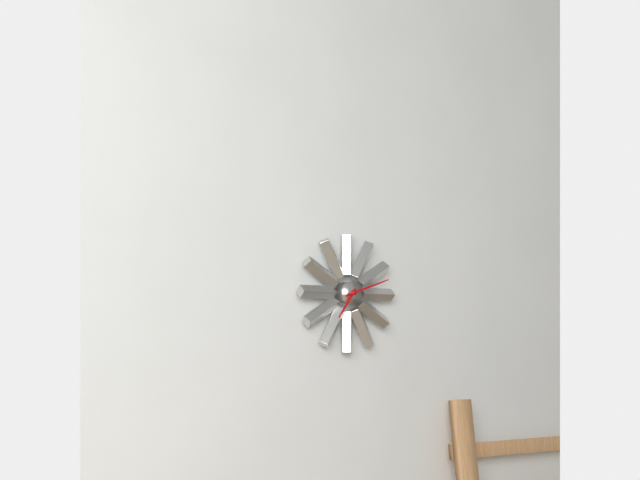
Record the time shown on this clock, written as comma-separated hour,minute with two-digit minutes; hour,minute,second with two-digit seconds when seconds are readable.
7,12
